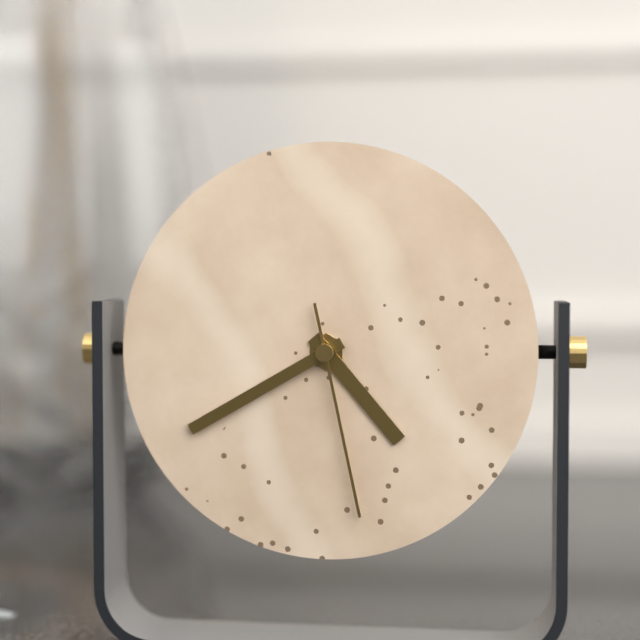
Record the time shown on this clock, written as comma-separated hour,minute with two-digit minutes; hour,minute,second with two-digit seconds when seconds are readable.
4,40,28
